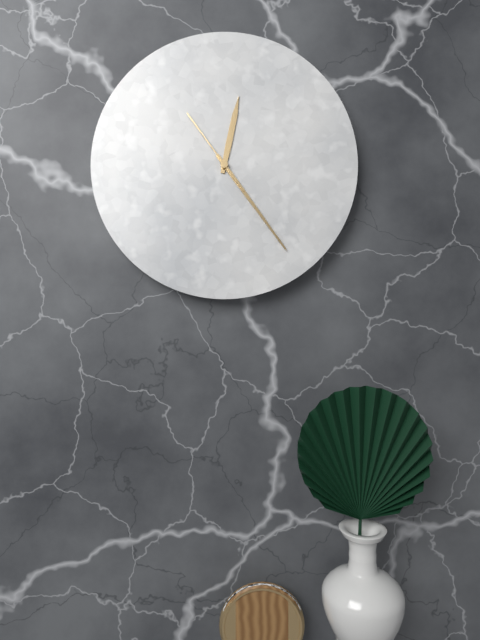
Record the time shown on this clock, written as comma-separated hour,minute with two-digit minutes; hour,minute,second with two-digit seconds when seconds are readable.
12,24,54
